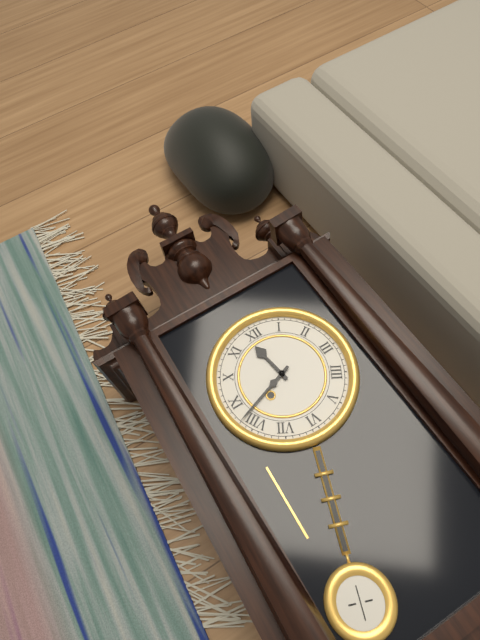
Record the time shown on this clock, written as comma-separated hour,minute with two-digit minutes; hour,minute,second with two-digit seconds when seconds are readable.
11,42
